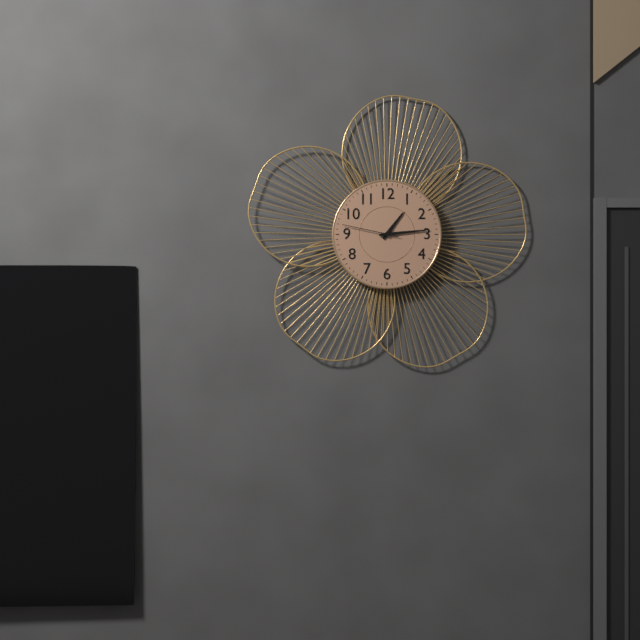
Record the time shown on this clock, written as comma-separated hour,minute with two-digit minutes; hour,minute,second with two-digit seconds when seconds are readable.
1,14,47
